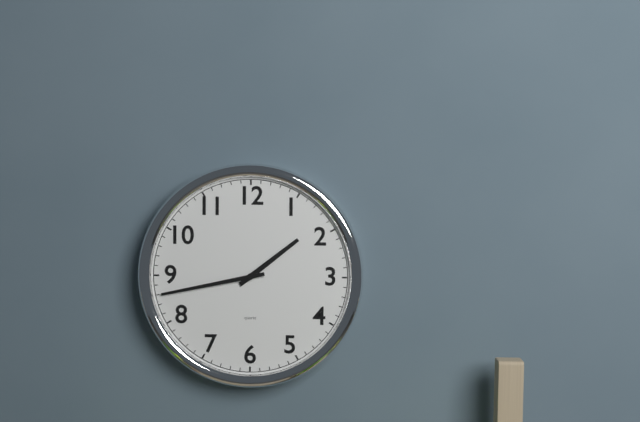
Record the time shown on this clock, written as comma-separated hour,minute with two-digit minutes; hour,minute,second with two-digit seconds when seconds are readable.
1,43
